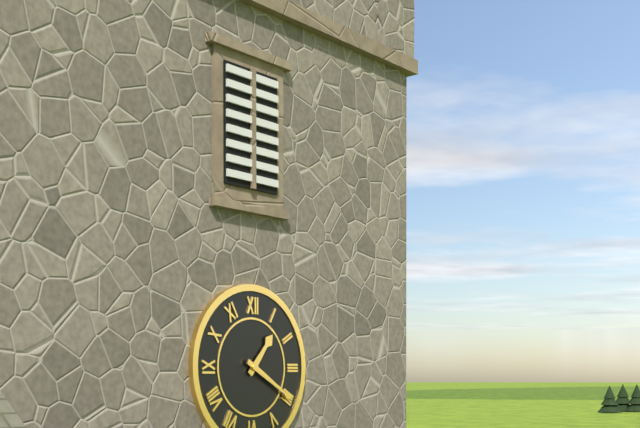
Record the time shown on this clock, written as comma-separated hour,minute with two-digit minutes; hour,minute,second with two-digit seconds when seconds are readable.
1,20
